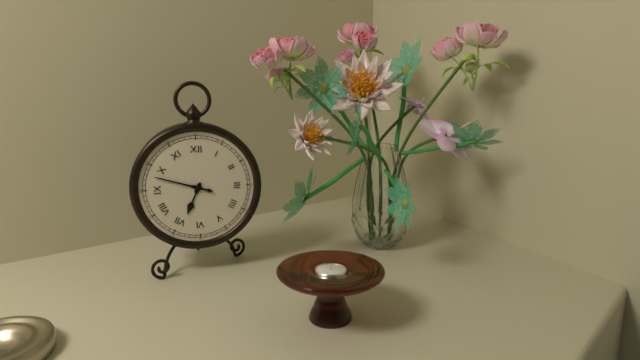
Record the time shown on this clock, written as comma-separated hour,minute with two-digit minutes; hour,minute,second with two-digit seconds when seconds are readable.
6,48
